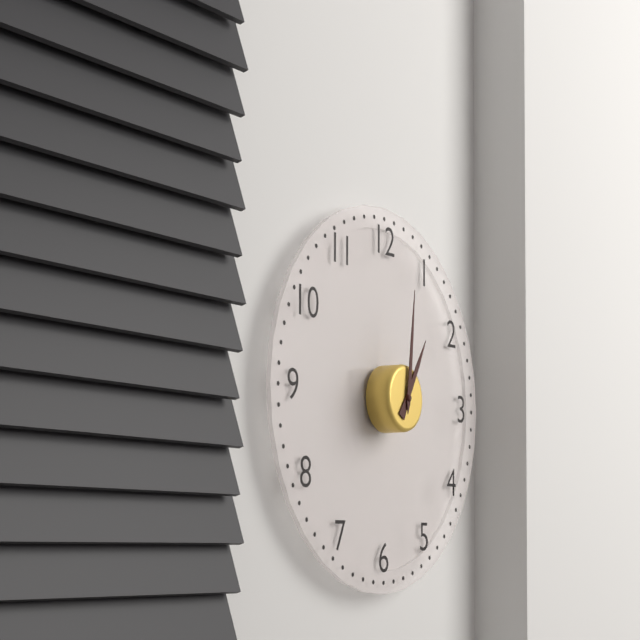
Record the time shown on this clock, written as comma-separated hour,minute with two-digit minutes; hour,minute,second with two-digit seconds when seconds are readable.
1,01
